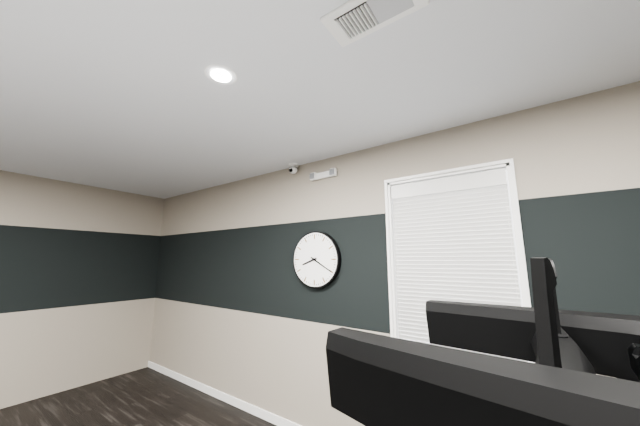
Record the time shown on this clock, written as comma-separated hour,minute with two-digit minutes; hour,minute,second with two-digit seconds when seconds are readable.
8,20
